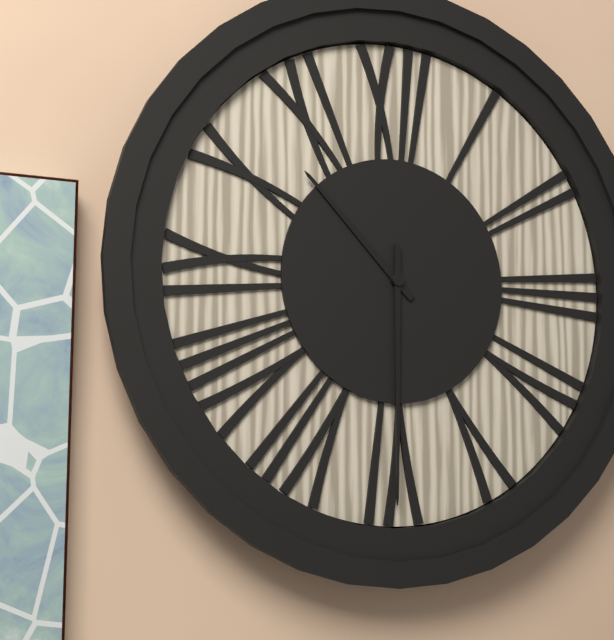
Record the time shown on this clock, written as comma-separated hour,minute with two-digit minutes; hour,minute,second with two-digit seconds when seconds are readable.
10,30
